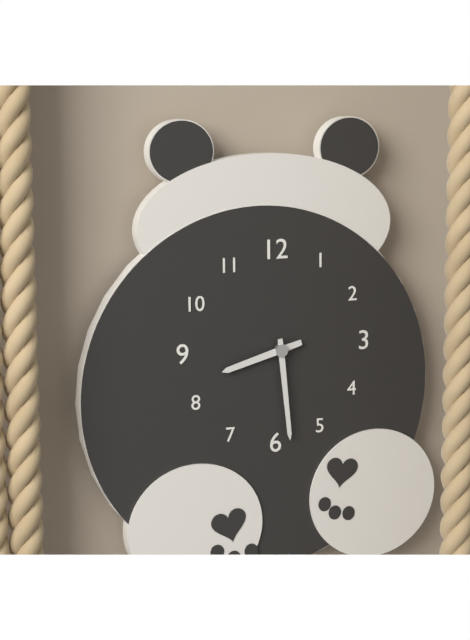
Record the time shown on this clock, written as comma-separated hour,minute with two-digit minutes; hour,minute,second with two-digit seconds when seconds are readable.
8,29
